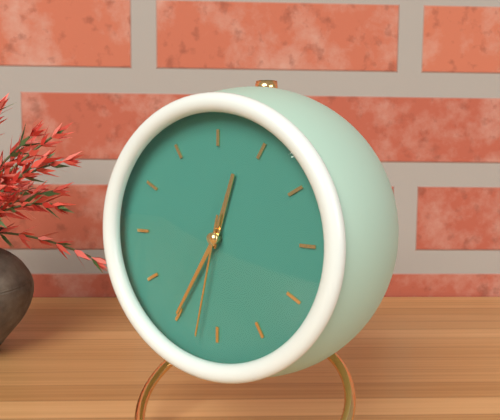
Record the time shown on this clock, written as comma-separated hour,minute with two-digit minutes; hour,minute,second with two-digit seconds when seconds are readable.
12,35,32
